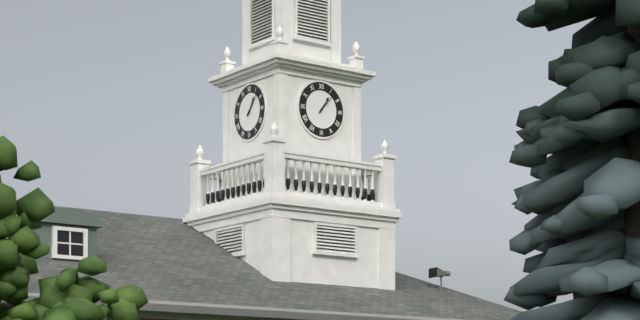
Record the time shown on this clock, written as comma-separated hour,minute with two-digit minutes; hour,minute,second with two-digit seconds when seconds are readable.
1,07
